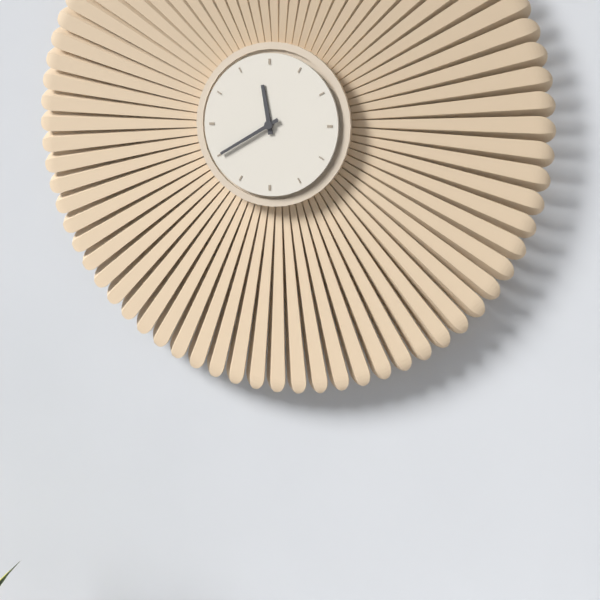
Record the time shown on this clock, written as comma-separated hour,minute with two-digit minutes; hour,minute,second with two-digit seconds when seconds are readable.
11,40
